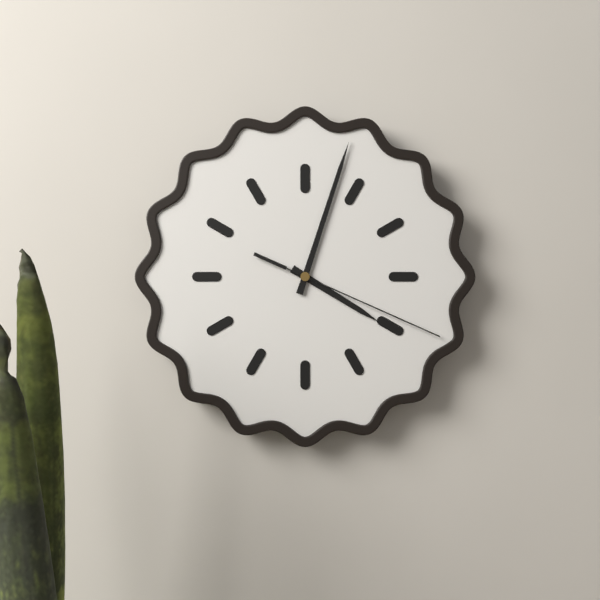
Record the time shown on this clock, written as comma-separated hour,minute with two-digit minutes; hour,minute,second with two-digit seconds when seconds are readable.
4,03,19
